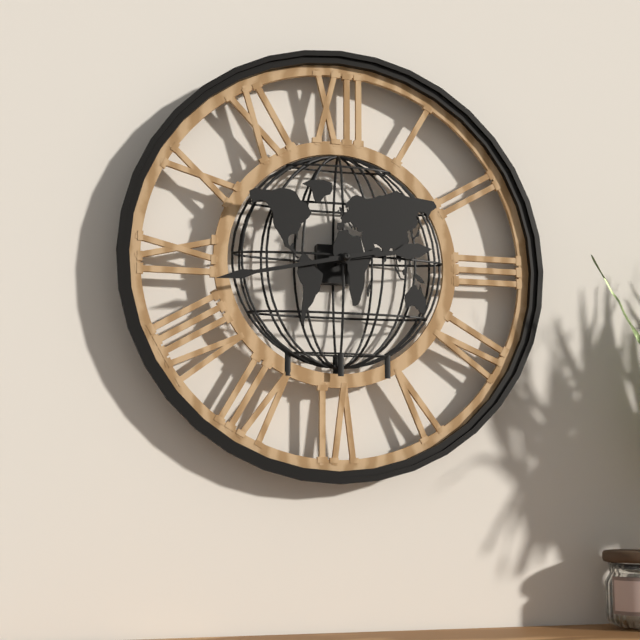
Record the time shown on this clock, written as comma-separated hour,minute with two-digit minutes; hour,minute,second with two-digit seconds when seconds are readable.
2,43
